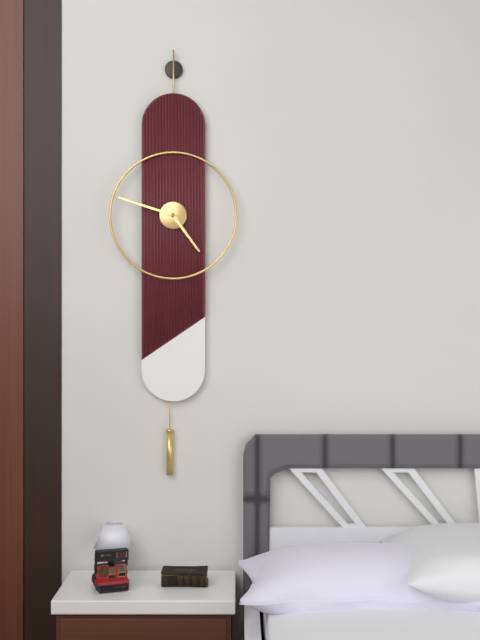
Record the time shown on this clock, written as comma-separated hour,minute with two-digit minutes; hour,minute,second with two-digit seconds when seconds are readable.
4,48
